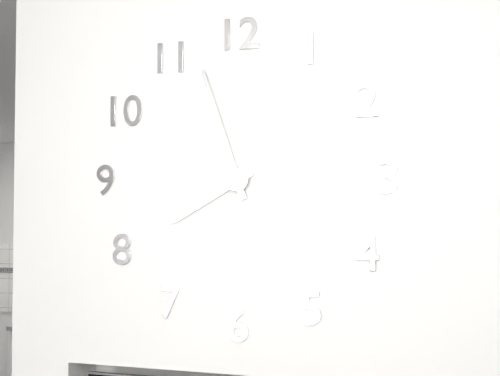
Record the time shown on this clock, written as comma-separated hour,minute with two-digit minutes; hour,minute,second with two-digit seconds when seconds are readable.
7,57
